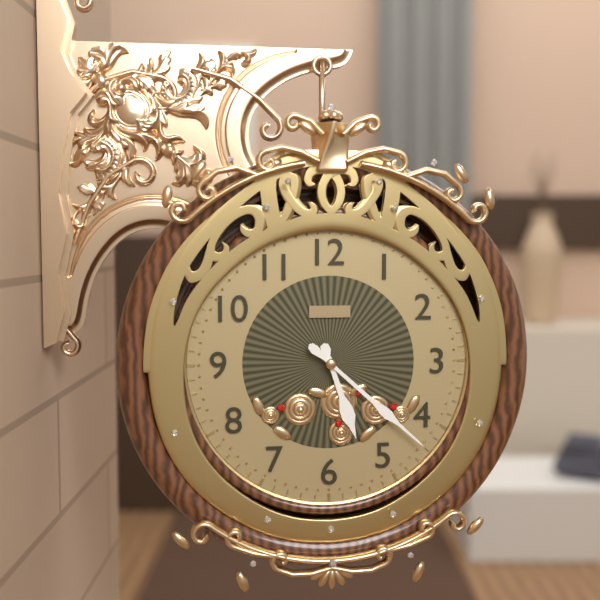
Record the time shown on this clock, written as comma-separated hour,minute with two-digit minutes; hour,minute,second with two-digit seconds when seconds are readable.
5,22
